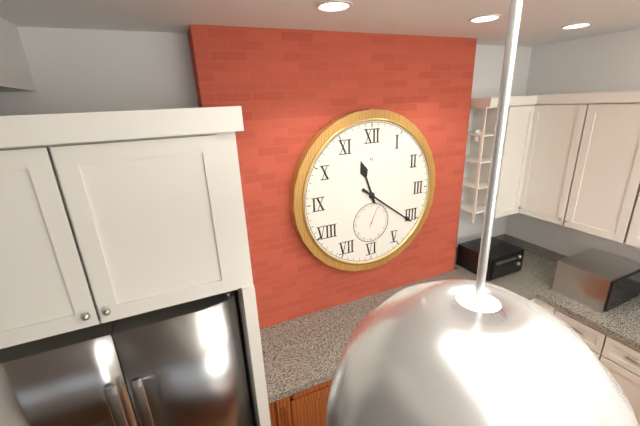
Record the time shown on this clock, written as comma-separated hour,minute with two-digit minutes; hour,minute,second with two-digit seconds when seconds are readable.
11,21
